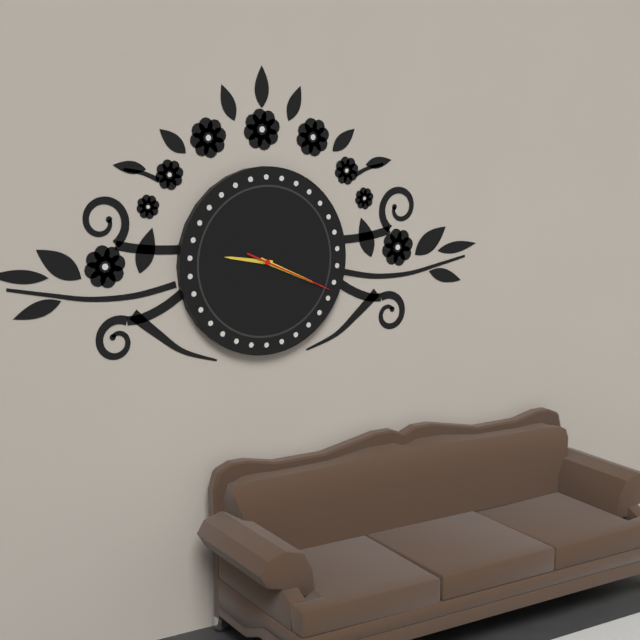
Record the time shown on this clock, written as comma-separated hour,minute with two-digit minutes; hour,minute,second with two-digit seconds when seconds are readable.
9,19,19
